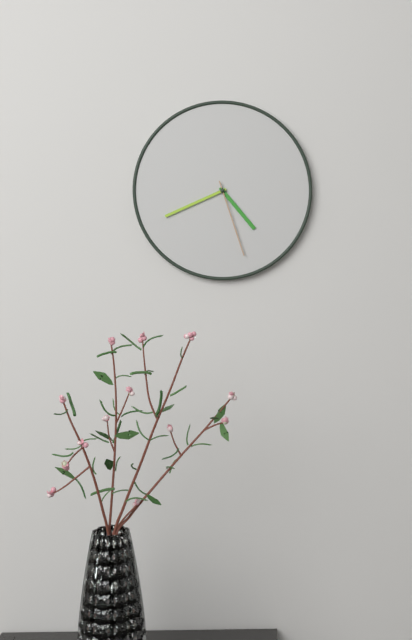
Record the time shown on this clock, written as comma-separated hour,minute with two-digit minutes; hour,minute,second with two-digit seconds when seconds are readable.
4,41,27
